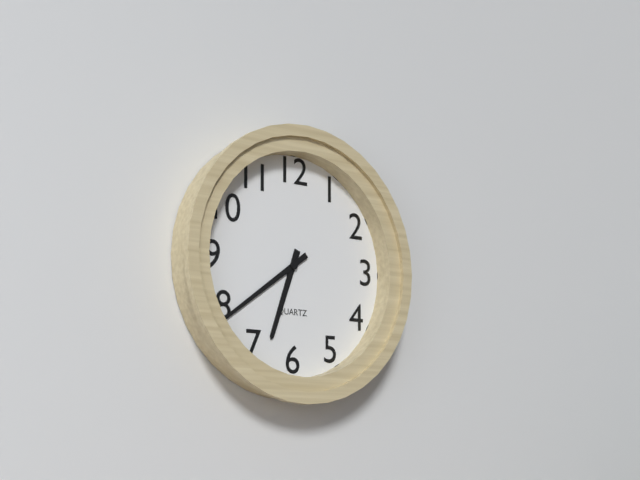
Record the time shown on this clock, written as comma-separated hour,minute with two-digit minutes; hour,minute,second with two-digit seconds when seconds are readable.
6,39
